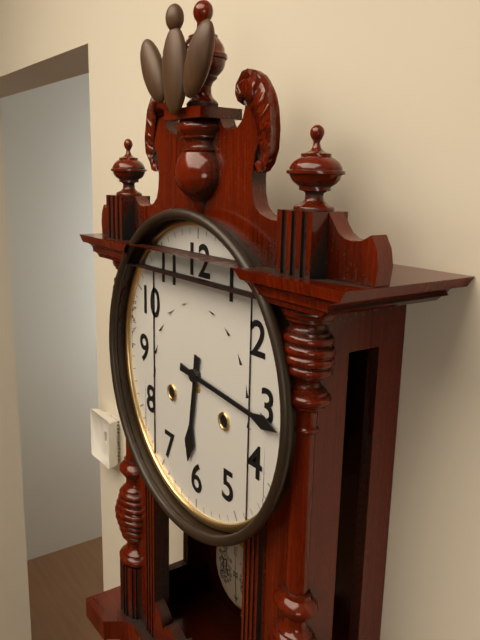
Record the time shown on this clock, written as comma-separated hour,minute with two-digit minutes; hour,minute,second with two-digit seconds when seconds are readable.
6,16
